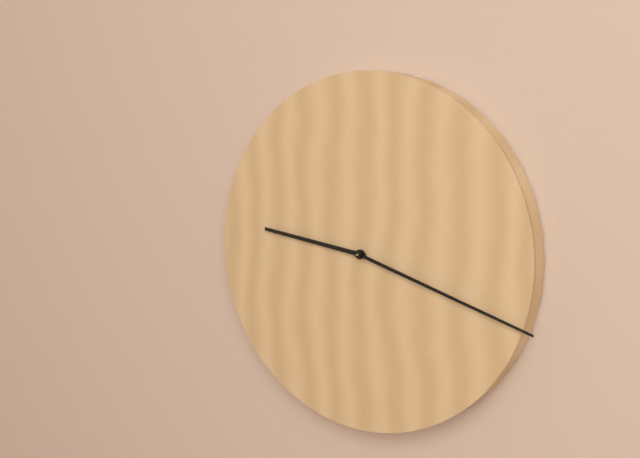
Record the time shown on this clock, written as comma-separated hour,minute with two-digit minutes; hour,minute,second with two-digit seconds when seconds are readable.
9,18
